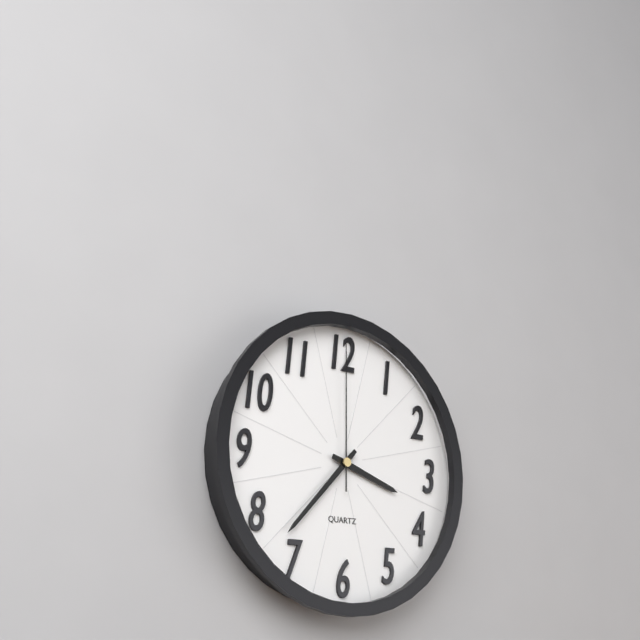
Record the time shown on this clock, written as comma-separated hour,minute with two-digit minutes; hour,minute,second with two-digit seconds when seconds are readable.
3,37,00
